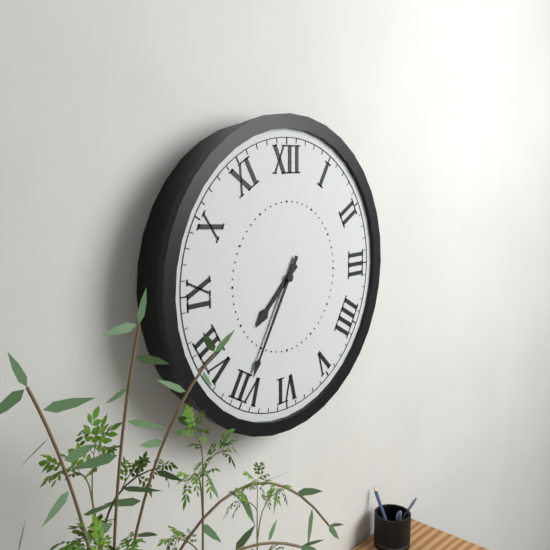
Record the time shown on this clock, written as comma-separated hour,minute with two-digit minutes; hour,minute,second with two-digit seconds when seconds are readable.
7,35
